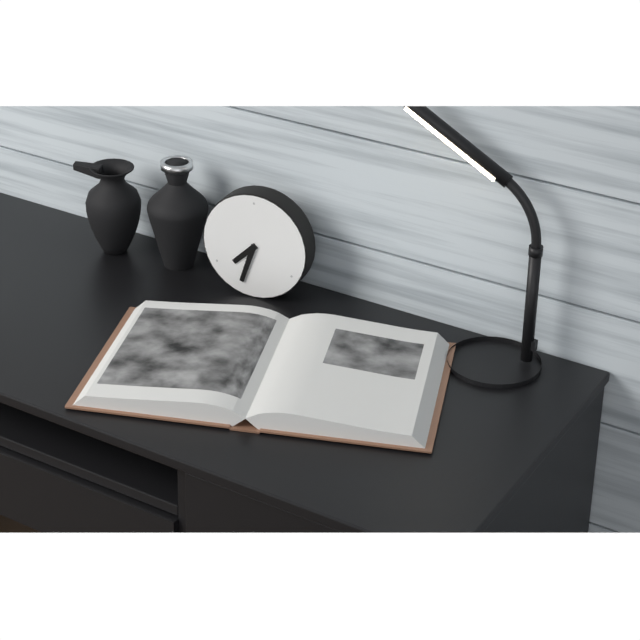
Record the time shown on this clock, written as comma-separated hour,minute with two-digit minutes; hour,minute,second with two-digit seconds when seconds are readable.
7,33
